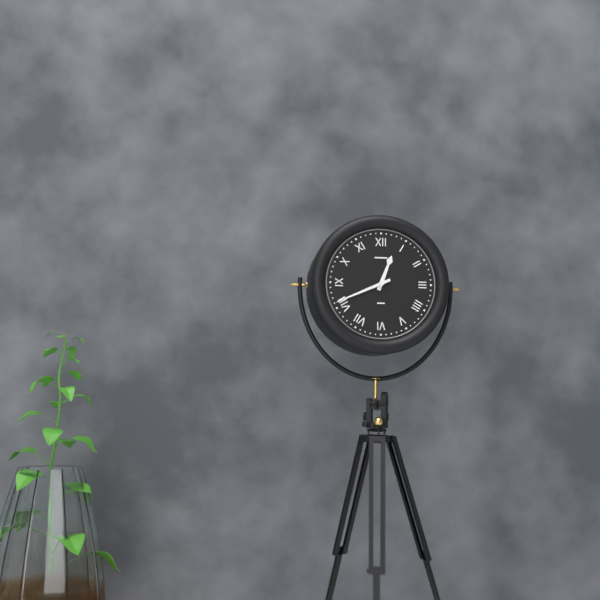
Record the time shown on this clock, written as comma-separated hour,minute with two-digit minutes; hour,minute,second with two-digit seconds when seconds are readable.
12,41
